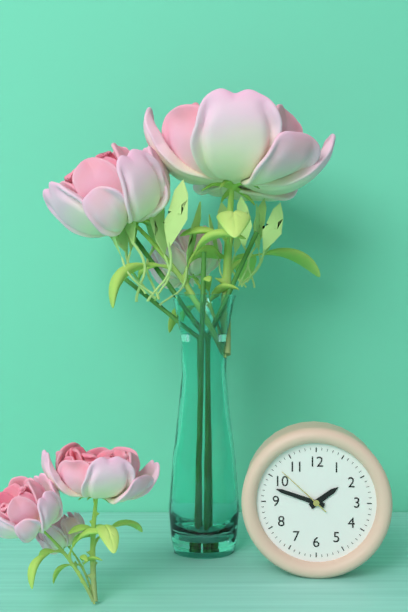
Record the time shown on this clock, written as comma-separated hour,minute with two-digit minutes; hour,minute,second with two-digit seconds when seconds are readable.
1,48,52
